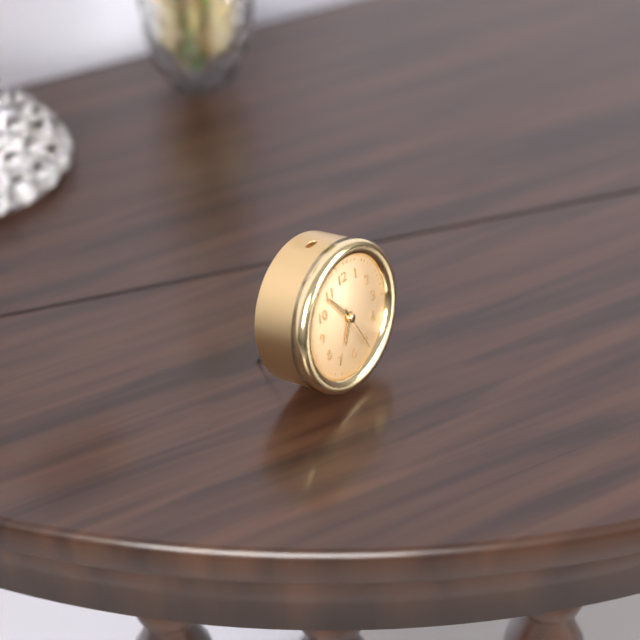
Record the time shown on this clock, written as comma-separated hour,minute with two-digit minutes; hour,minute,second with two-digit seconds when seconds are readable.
6,54
